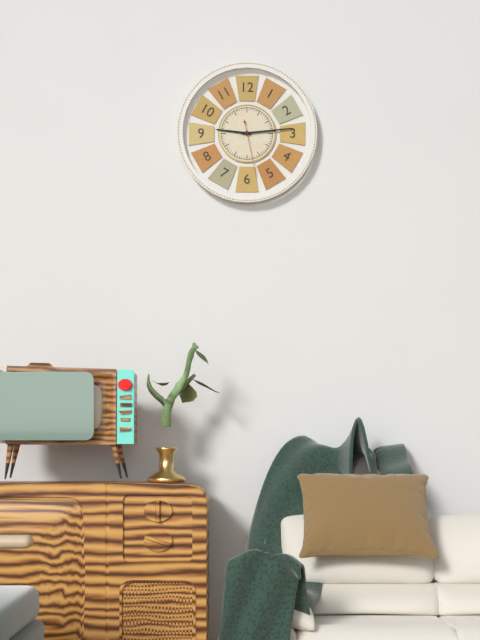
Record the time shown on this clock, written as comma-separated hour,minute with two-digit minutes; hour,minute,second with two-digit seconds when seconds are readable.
9,14,28
